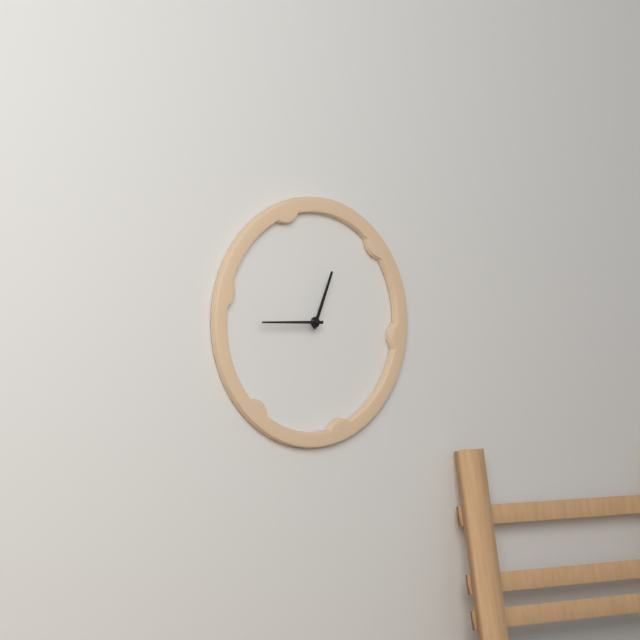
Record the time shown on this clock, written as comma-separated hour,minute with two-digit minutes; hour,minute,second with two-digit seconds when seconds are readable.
12,45
